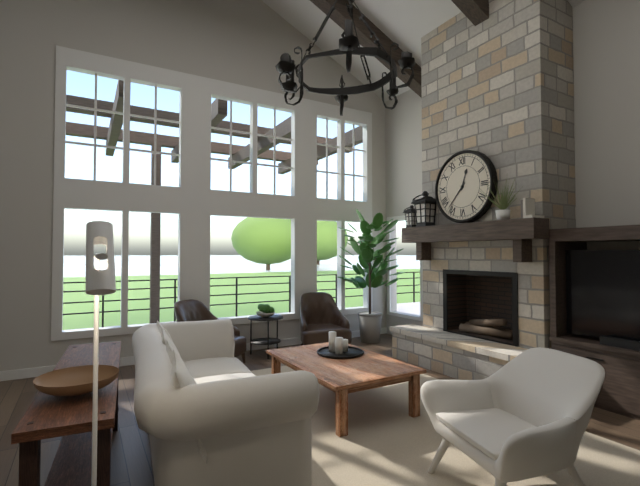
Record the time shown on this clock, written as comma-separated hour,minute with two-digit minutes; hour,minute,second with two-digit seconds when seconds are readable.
12,37
